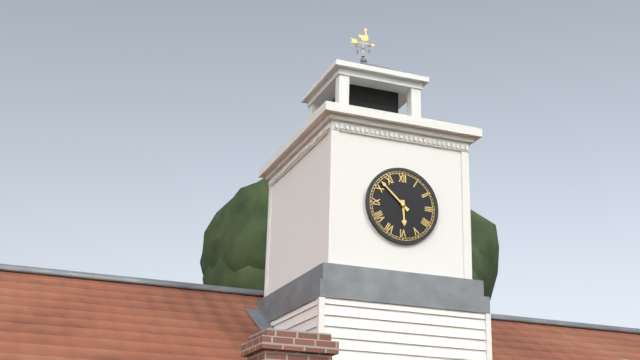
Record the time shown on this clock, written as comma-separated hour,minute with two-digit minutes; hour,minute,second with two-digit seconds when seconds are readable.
5,52
